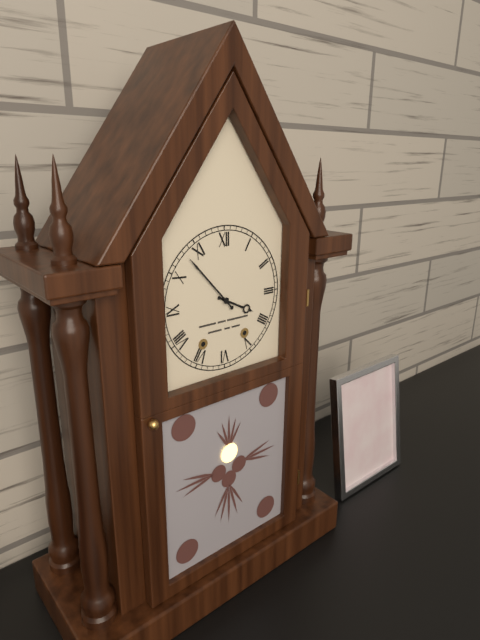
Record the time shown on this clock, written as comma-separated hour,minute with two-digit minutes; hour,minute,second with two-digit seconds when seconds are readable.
3,53
